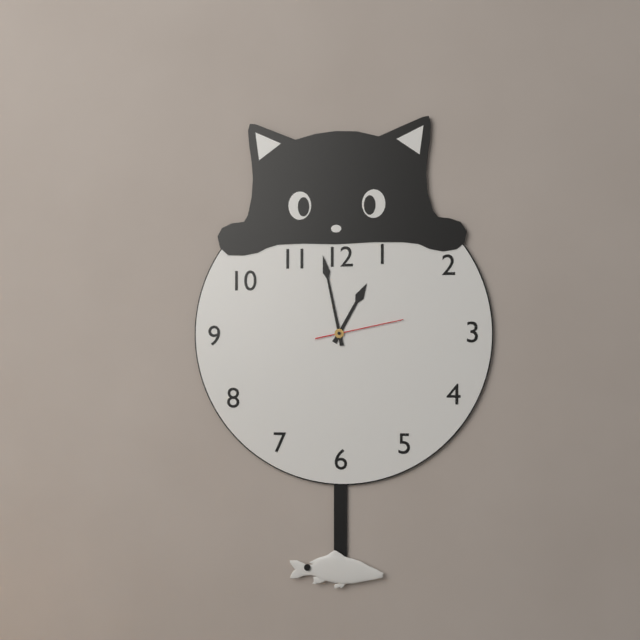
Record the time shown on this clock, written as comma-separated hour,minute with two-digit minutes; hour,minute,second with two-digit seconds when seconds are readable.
12,58,13
